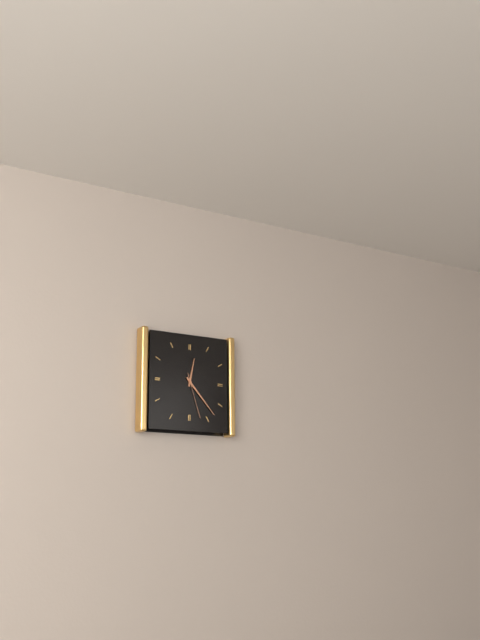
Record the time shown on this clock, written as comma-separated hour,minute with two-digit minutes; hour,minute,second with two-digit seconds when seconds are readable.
12,23
